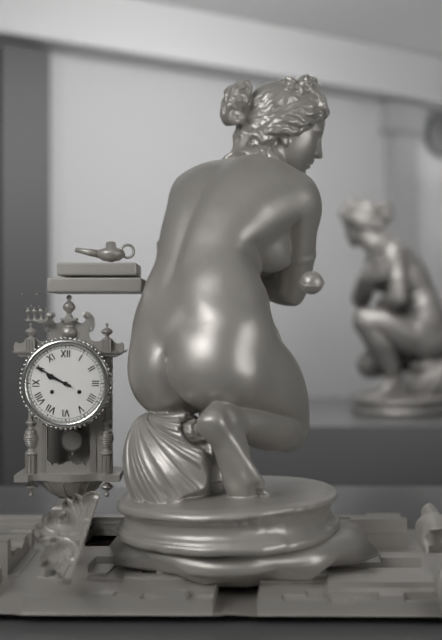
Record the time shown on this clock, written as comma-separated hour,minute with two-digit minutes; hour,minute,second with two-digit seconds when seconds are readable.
9,50
